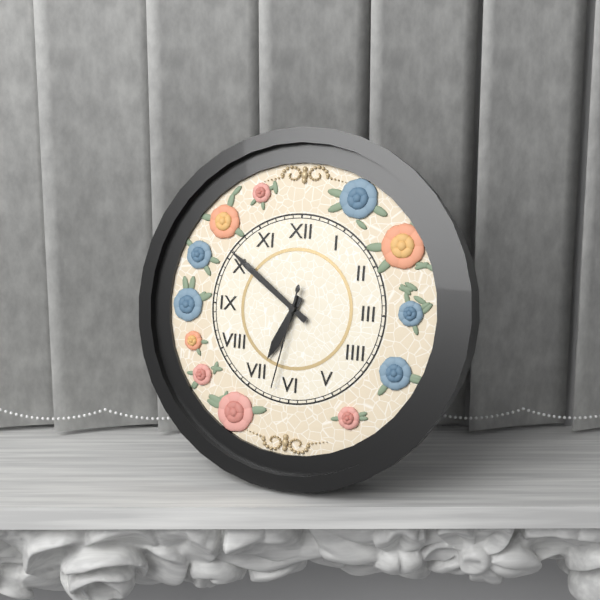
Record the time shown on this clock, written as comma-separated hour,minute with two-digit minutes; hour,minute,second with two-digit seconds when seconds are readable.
6,51,32
